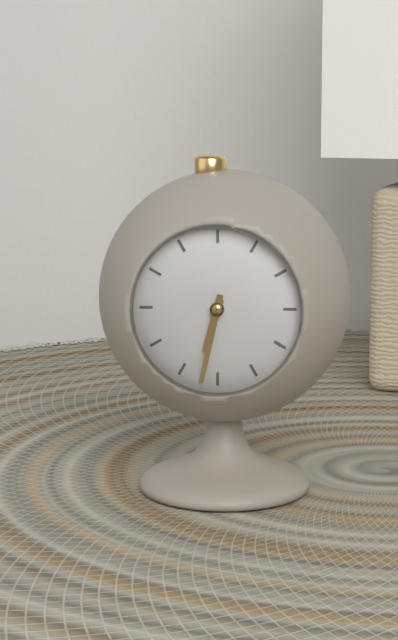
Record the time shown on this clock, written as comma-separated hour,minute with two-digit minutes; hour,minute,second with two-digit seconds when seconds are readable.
6,32
